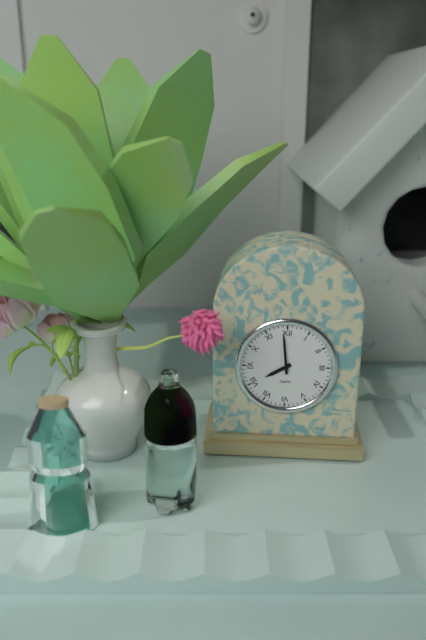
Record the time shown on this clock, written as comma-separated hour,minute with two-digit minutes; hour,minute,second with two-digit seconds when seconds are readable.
7,59
